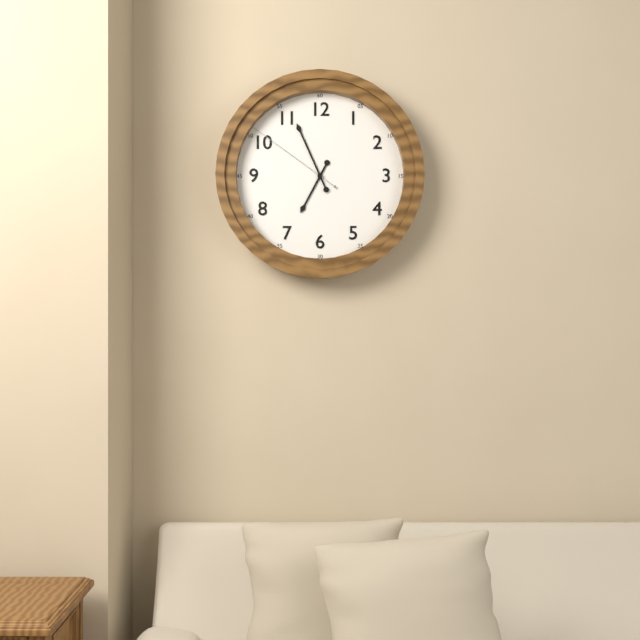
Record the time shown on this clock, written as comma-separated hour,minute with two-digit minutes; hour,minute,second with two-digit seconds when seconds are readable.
6,56,51
